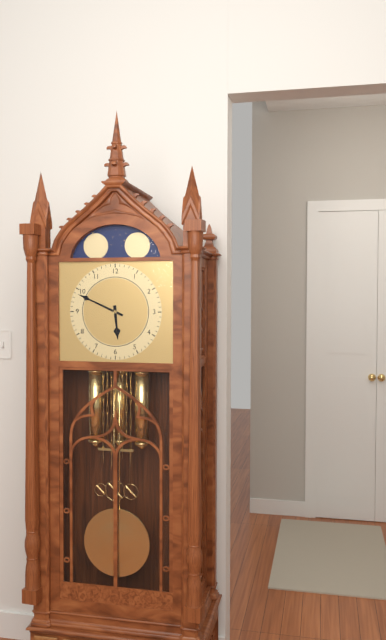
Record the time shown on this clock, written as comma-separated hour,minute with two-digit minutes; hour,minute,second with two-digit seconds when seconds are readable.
5,49
